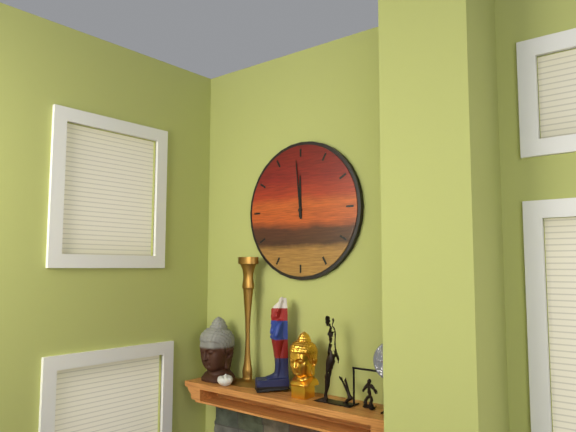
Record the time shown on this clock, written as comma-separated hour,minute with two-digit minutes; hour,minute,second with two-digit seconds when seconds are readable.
11,59
